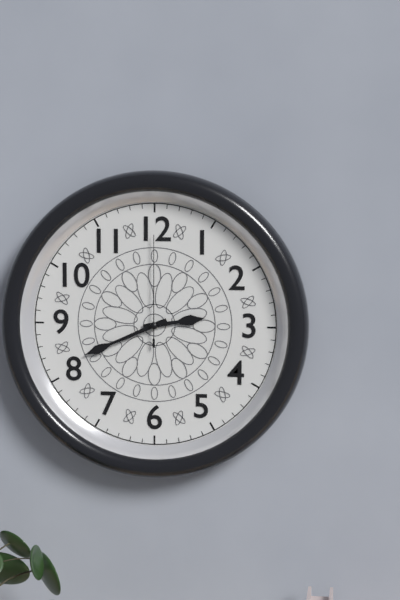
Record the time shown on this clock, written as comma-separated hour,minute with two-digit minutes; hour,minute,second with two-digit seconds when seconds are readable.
2,41,00
